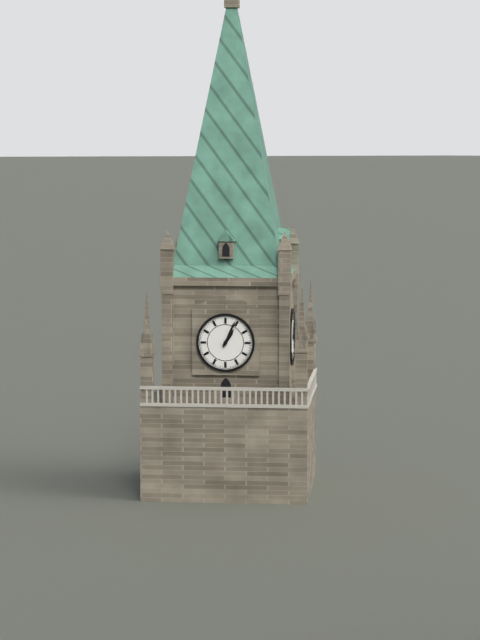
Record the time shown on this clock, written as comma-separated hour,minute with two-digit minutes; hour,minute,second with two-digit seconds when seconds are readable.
1,04
